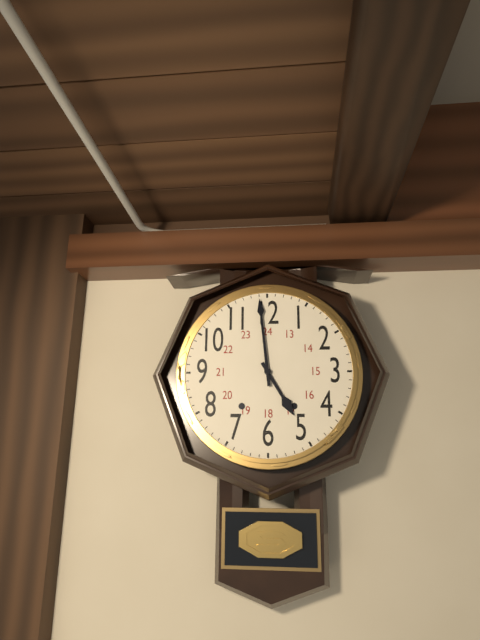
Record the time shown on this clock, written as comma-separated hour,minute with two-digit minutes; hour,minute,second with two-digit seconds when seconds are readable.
4,59
